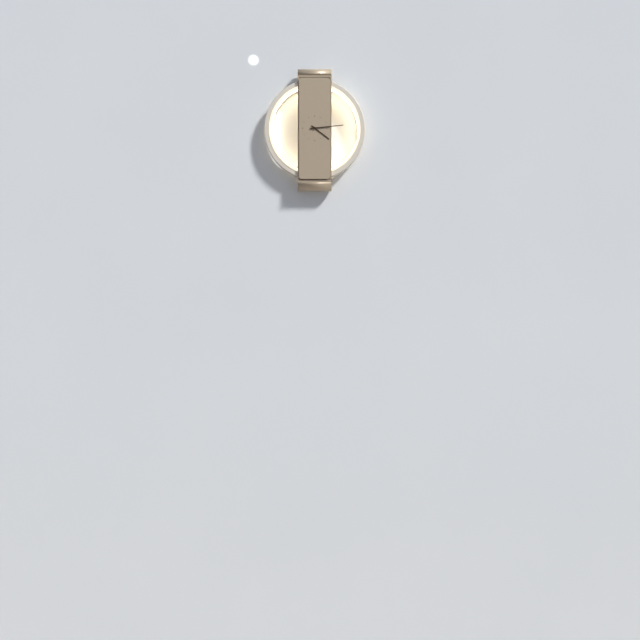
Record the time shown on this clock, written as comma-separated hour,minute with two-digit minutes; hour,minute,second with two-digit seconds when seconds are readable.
4,14
